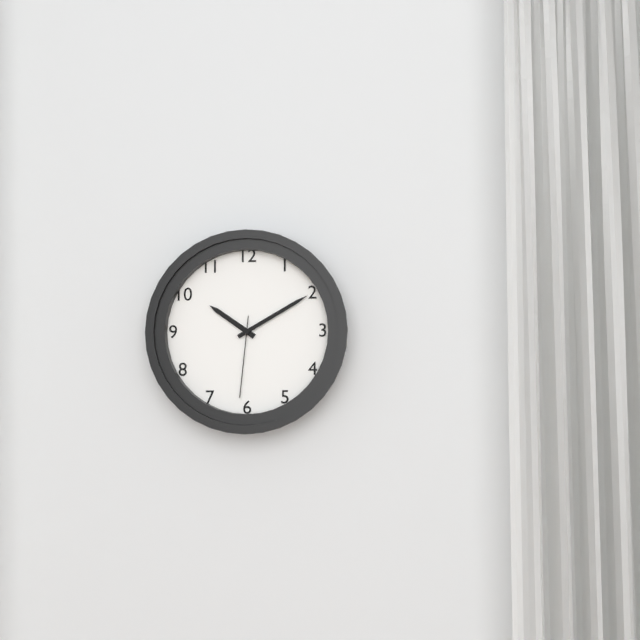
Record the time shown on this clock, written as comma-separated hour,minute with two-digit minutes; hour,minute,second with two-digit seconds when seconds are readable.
10,10,31
